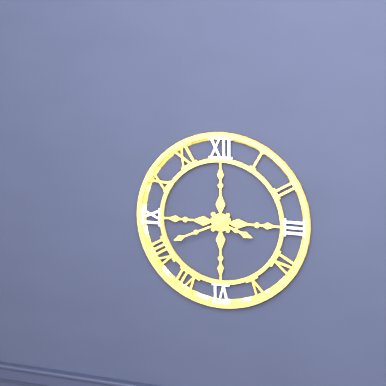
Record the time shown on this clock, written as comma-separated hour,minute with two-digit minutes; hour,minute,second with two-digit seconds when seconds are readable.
3,41
